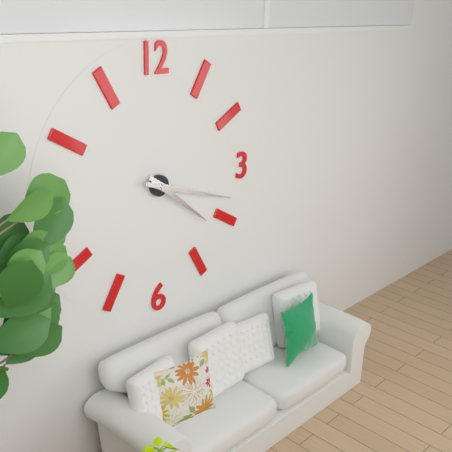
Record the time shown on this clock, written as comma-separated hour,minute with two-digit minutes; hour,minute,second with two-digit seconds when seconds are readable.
4,18
